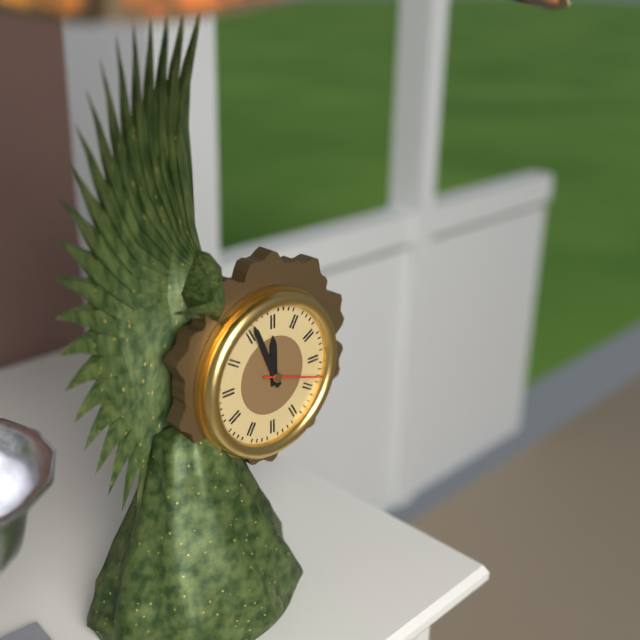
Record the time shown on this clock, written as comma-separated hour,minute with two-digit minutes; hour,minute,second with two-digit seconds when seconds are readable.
11,56,18
